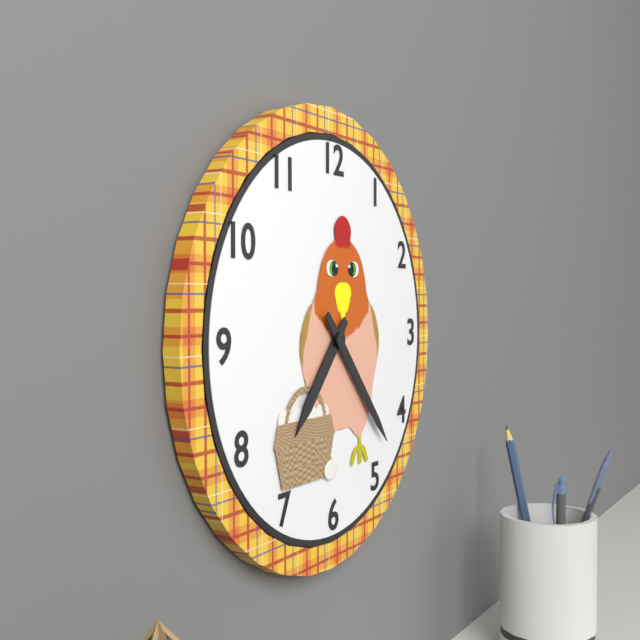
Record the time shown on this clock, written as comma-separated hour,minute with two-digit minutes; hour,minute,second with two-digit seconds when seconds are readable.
7,23
